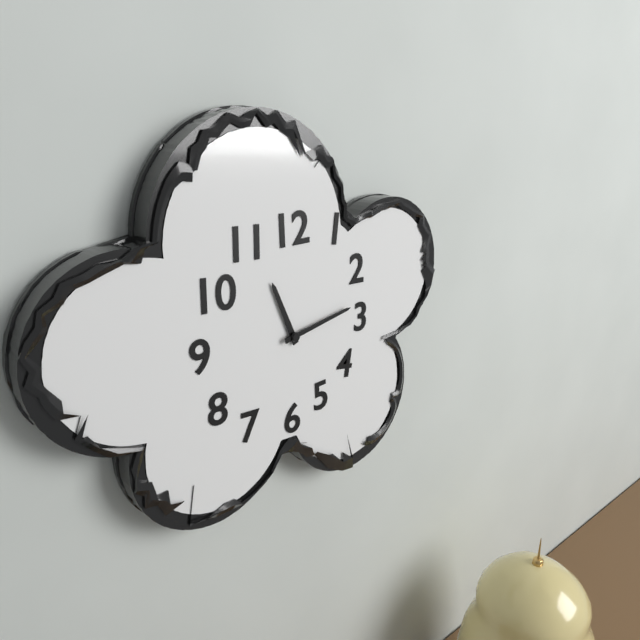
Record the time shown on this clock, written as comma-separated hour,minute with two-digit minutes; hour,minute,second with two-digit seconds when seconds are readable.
11,13
